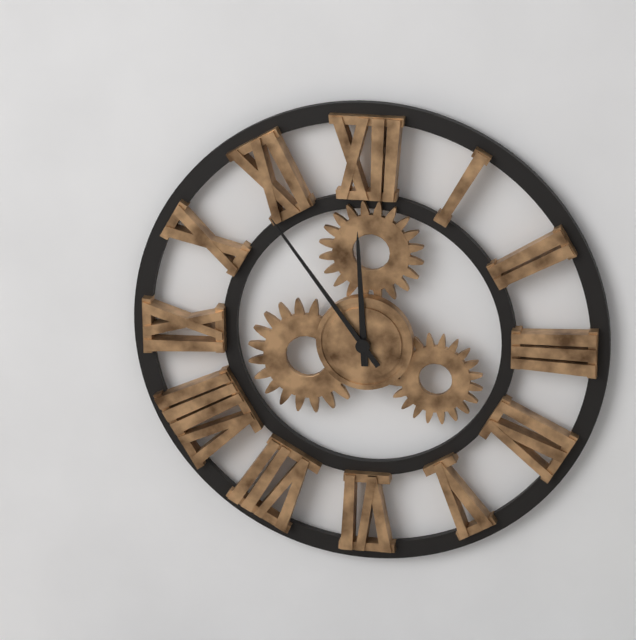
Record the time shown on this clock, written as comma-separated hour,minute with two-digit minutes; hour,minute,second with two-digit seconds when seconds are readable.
11,54
